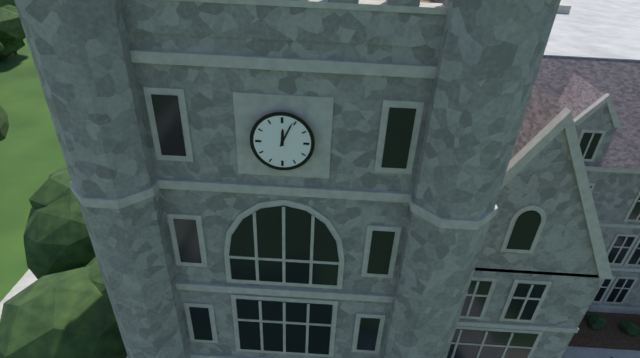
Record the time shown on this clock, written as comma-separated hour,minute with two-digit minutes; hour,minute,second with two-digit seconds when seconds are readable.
12,04
